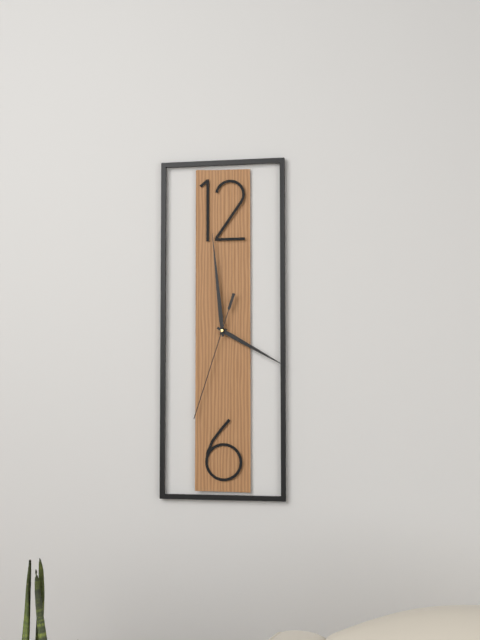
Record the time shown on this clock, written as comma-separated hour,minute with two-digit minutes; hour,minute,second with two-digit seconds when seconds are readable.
3,59,33
